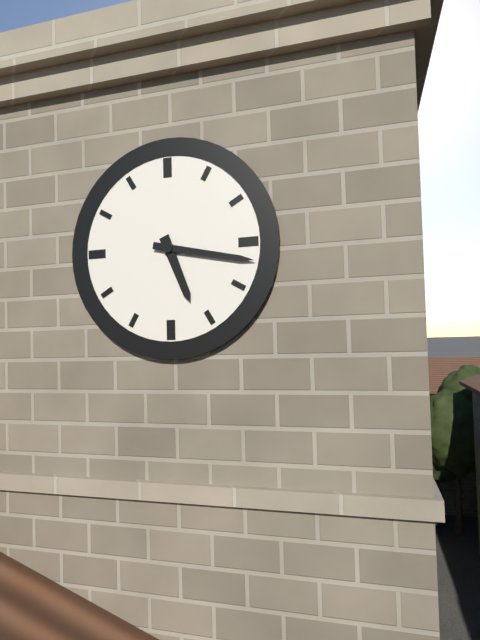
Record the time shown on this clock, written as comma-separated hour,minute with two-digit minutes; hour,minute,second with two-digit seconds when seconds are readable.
5,17
